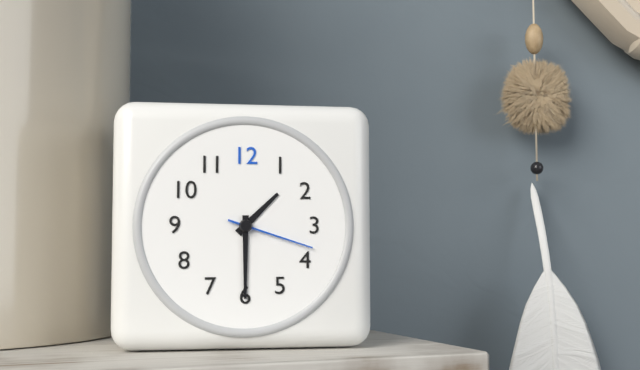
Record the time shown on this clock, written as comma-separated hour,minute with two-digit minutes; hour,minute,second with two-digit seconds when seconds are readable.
1,30,18
